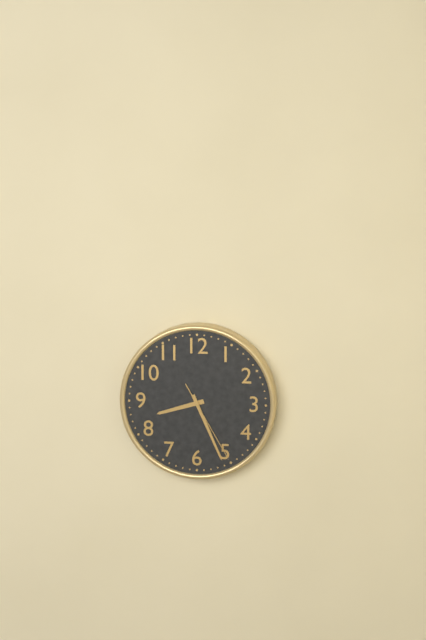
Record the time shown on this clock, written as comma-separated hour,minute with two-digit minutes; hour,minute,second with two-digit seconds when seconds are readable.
8,26,25
